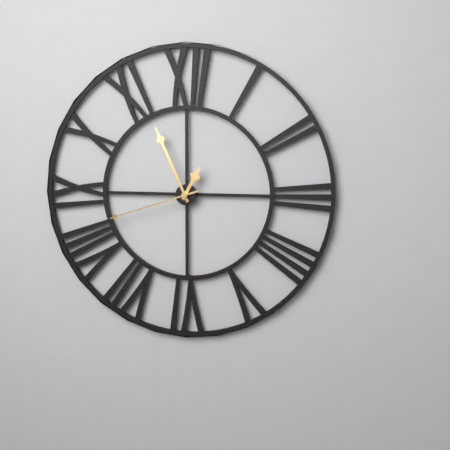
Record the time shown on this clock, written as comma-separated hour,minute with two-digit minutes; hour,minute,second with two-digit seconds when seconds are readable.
12,56,42
